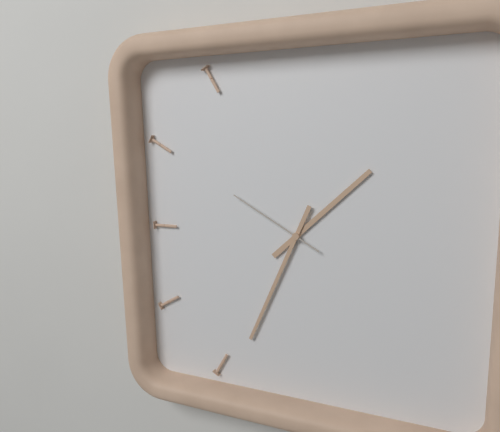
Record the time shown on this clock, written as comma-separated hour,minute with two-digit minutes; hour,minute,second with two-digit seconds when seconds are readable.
1,34,50
